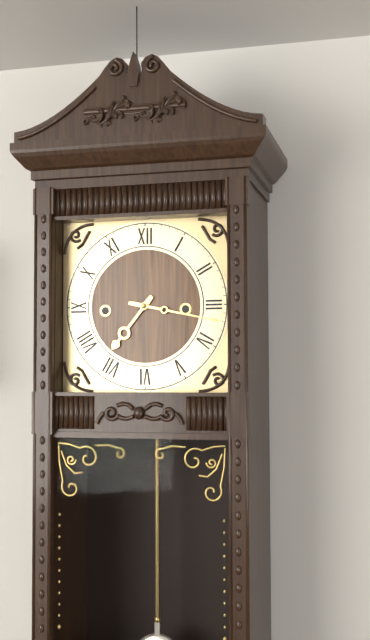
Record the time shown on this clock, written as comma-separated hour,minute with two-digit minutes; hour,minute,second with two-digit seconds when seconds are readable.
7,17
